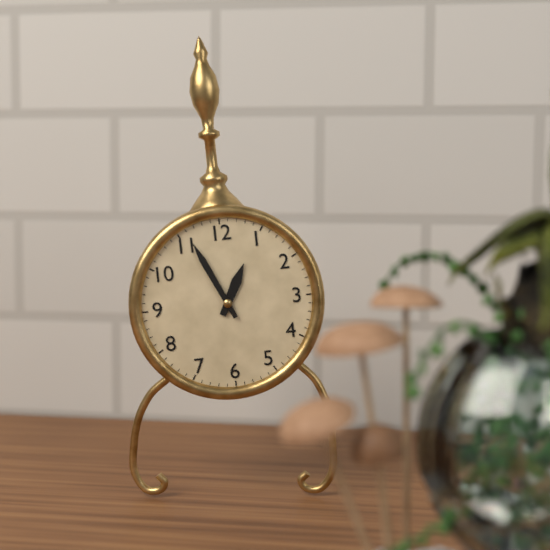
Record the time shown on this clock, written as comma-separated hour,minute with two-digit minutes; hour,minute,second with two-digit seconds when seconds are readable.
12,56
